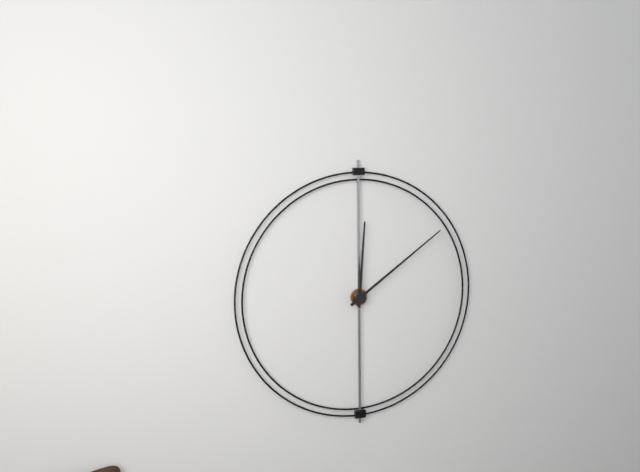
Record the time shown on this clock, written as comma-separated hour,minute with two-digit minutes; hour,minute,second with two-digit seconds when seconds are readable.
12,09
